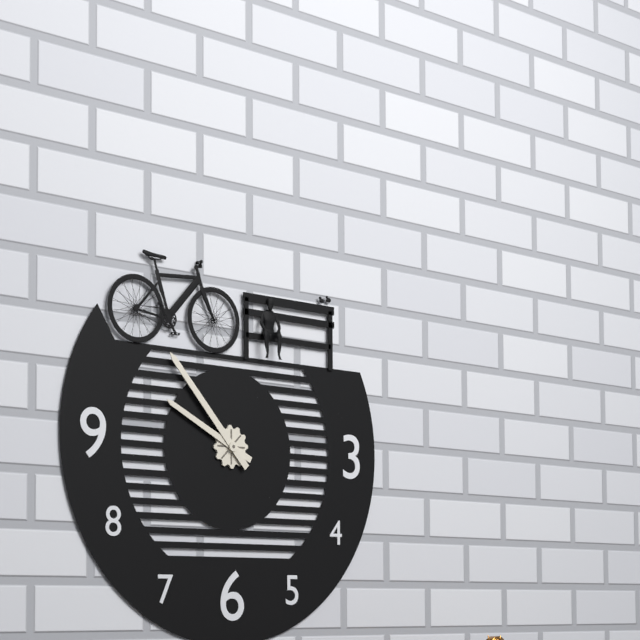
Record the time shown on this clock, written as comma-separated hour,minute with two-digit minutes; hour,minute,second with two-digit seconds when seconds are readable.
9,53
